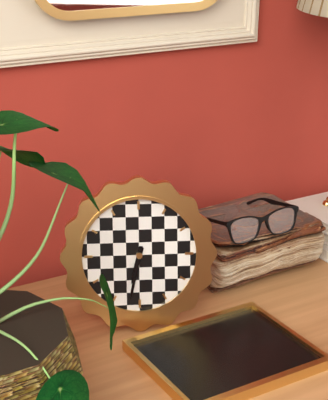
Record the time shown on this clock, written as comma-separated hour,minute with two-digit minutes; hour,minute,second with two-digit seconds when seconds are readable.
6,32
